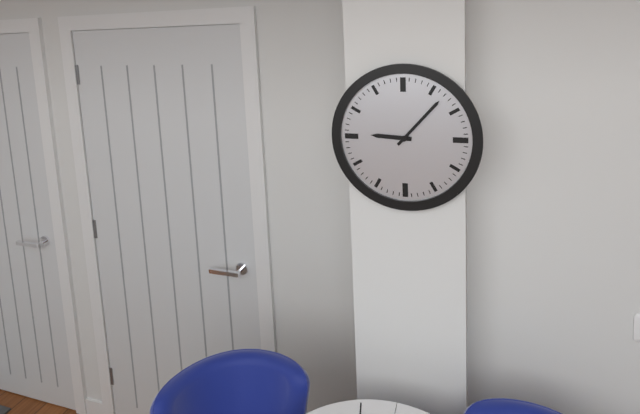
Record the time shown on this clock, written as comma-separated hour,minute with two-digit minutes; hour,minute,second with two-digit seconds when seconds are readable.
9,07
